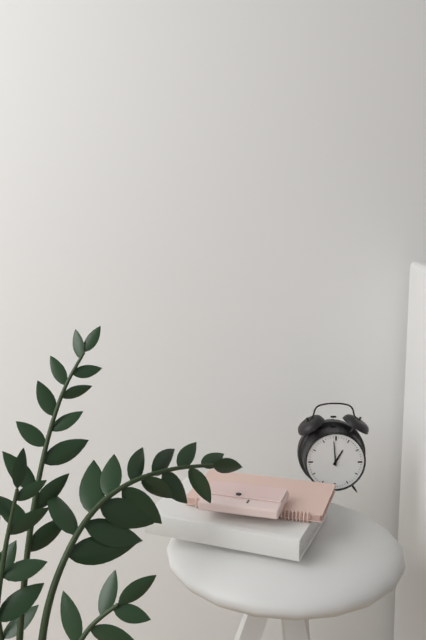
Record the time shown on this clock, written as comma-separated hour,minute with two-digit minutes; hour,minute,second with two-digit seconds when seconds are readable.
12,59
